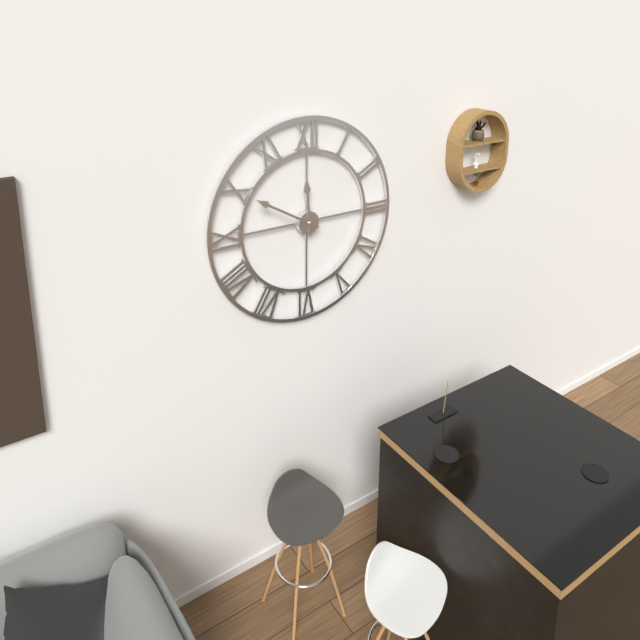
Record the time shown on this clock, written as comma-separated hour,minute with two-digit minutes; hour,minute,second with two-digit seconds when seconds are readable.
11,50
